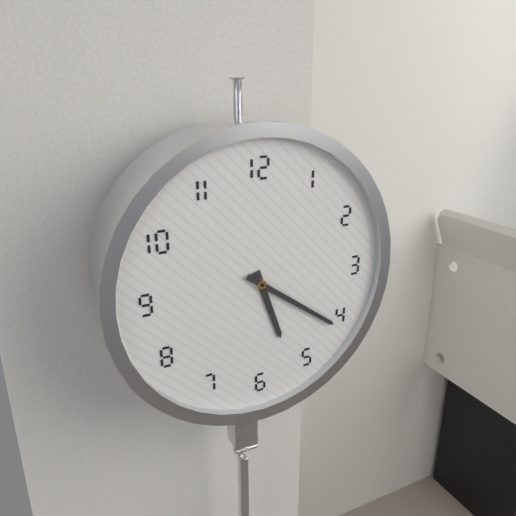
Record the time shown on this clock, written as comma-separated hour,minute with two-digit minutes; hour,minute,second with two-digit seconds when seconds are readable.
5,21
